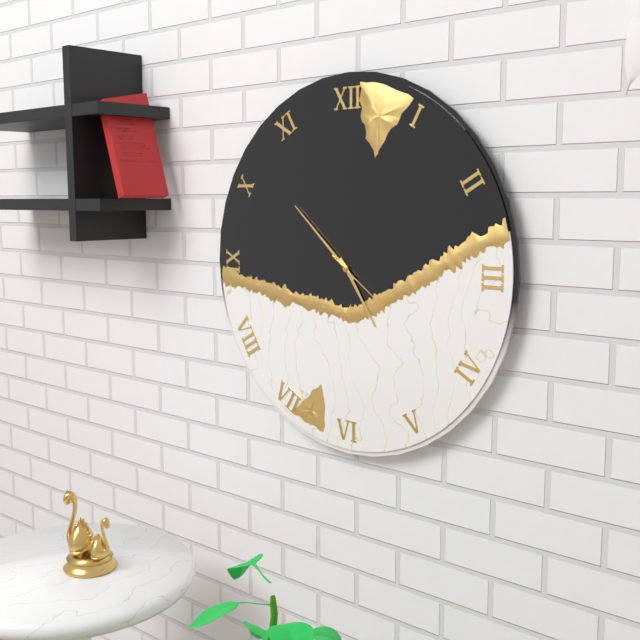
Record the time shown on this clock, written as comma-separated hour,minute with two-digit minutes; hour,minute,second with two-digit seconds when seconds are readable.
4,52,21
